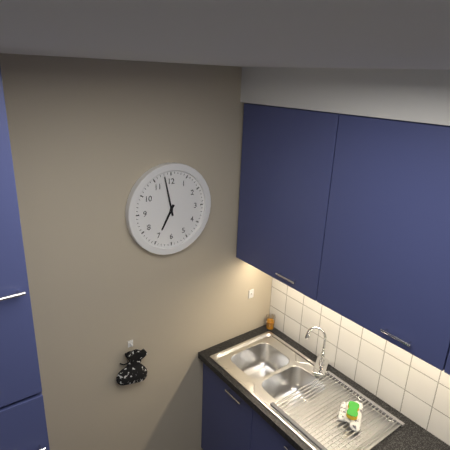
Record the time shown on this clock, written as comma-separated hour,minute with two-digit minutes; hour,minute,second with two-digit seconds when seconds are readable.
6,58
